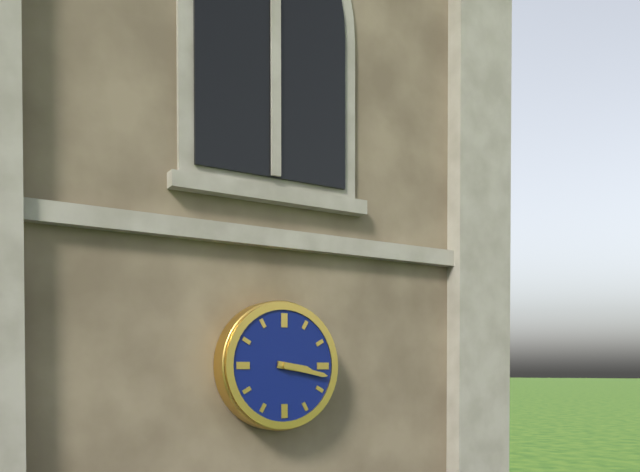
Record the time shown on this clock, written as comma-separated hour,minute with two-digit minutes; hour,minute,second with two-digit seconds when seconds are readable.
3,17
